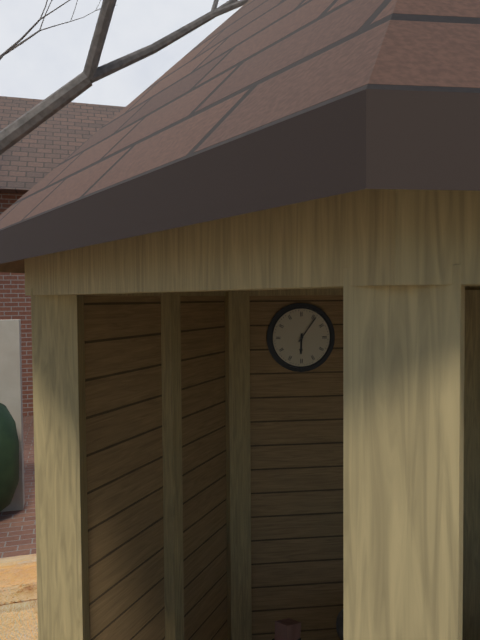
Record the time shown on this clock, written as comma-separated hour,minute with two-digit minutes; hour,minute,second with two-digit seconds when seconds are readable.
6,06
